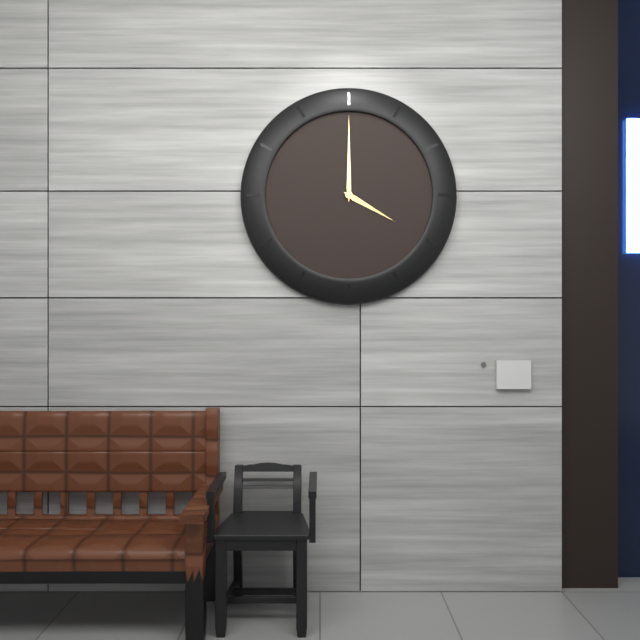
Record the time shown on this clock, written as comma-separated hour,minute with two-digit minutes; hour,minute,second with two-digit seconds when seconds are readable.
4,00
